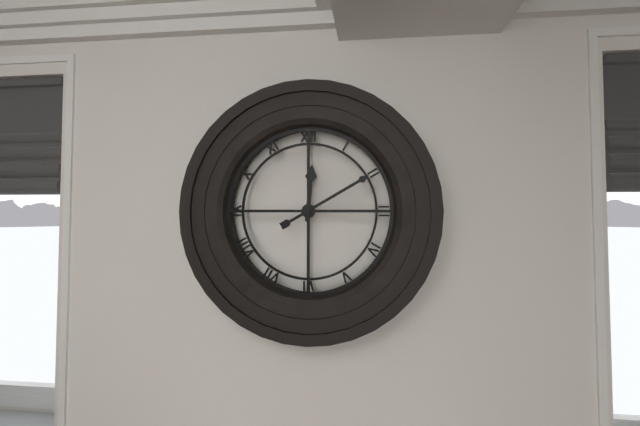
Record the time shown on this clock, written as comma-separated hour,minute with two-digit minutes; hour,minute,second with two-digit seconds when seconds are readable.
12,10
